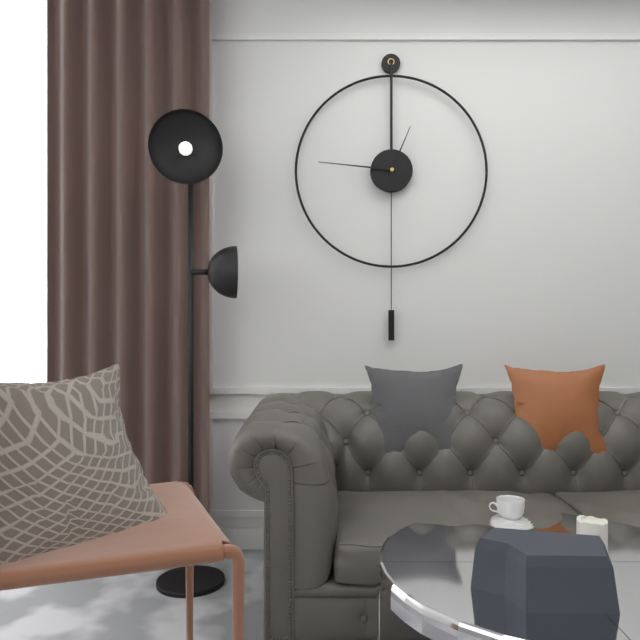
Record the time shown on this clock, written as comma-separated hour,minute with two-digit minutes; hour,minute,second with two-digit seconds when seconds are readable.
12,46
